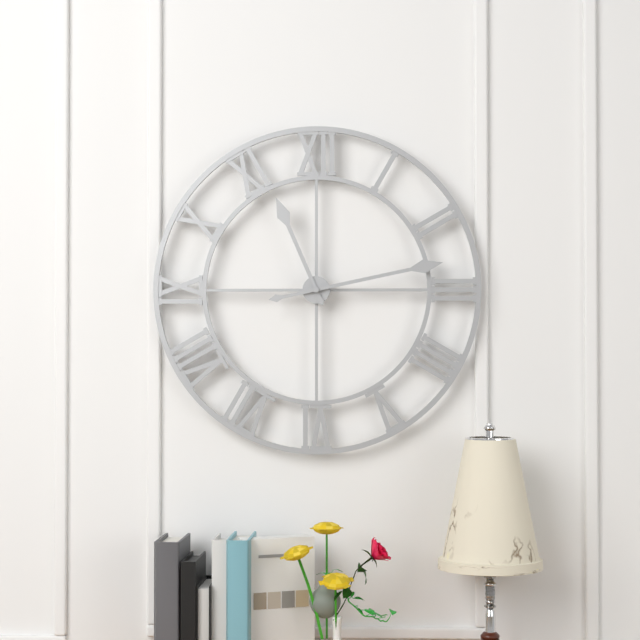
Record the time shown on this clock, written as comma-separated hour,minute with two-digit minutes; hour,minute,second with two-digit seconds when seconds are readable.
11,13
